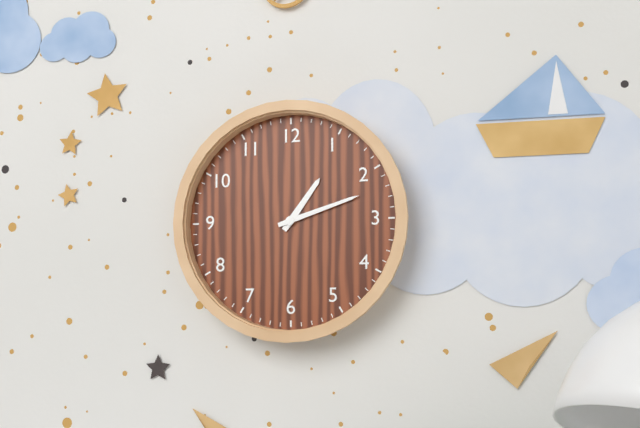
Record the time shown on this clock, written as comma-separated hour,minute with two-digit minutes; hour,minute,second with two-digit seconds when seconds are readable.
1,12
